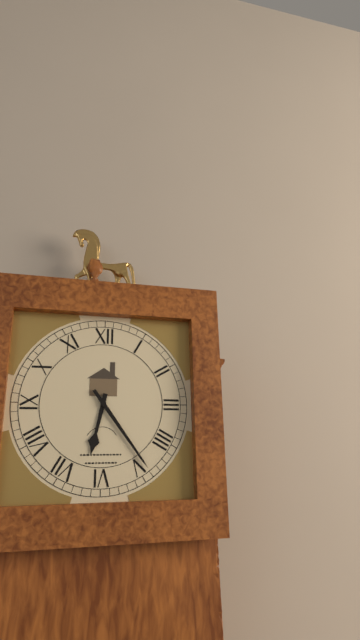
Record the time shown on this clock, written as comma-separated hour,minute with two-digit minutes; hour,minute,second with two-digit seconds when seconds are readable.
6,24
